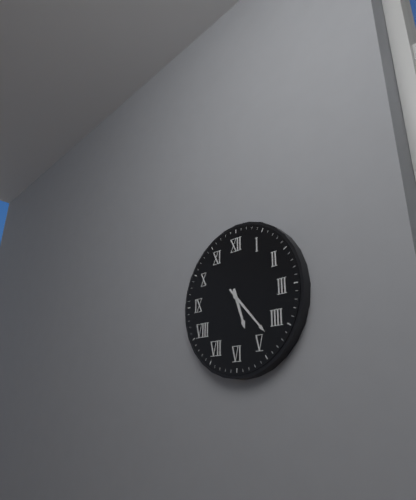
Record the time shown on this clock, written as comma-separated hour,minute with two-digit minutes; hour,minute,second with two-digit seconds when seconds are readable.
5,23
